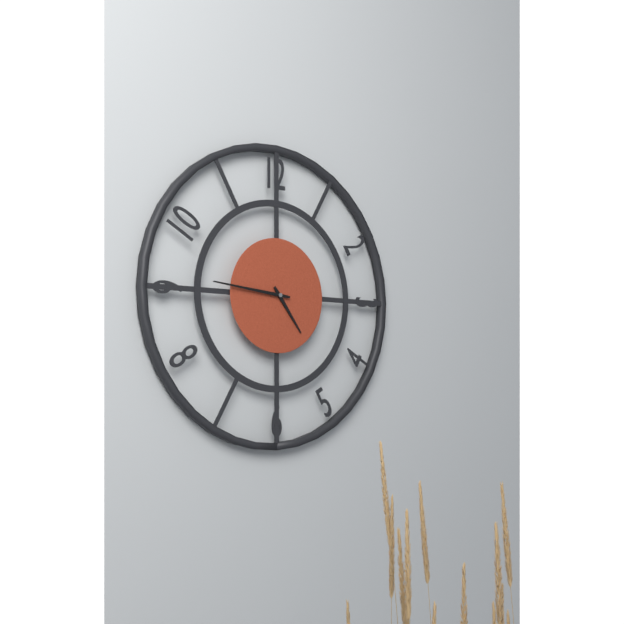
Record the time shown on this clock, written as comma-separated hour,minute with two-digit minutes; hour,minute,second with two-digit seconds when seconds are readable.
4,46
